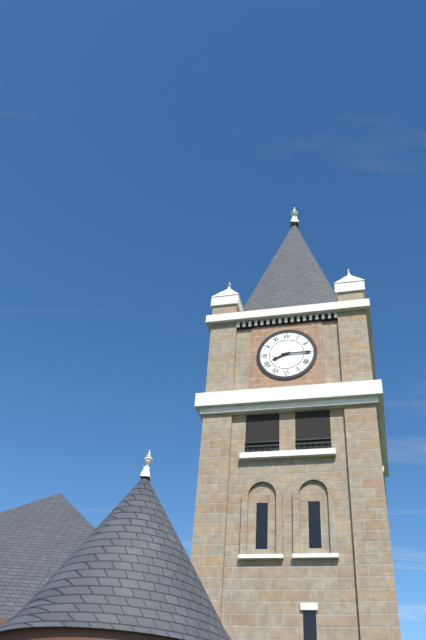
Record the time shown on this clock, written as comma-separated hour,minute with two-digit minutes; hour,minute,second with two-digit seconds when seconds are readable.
8,15
